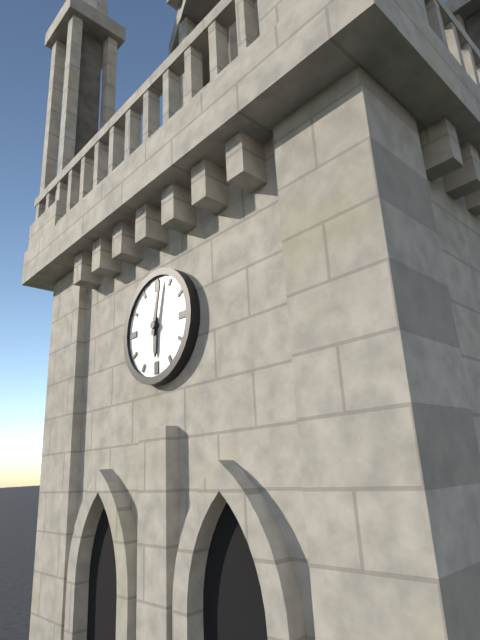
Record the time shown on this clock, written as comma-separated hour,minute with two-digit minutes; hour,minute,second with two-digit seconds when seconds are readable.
6,02
